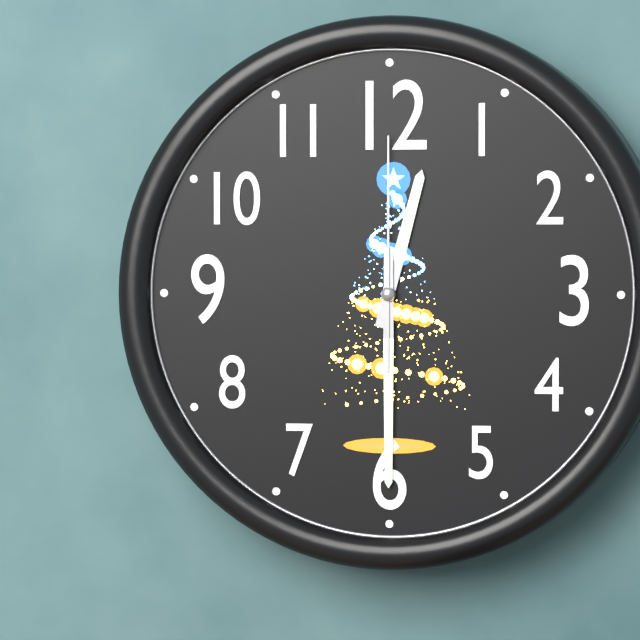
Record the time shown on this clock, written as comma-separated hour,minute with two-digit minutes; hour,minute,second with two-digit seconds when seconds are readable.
12,30,00
